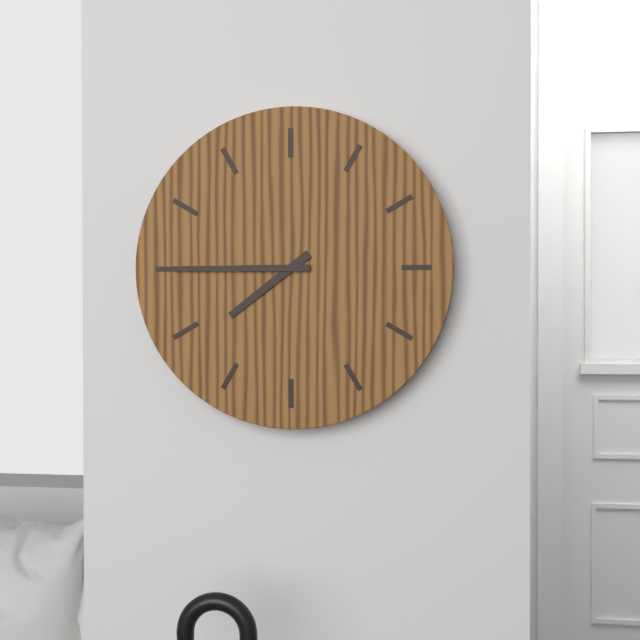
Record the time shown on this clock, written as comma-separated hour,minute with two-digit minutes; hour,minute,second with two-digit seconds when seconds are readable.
7,45
